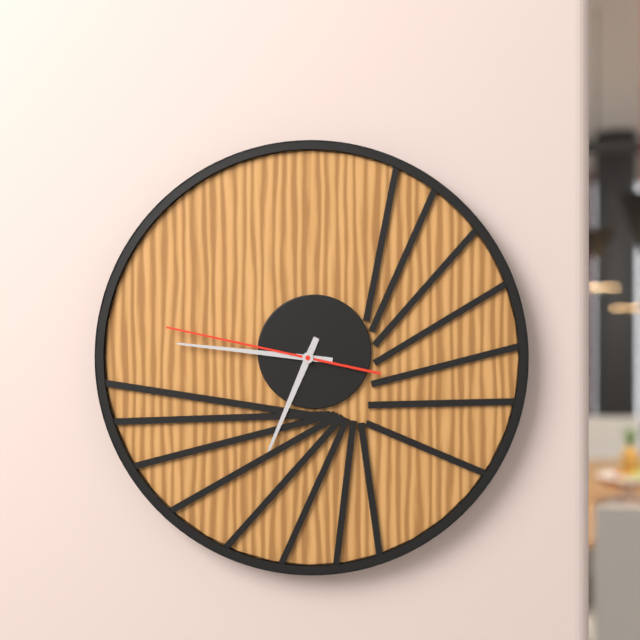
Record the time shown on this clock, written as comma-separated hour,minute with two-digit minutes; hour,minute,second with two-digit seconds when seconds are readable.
6,46,47
